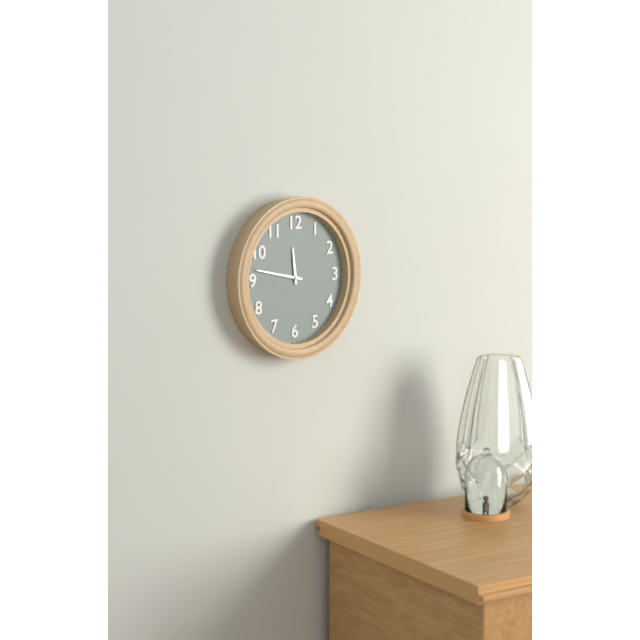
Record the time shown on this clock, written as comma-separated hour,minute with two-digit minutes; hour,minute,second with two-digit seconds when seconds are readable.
11,47
